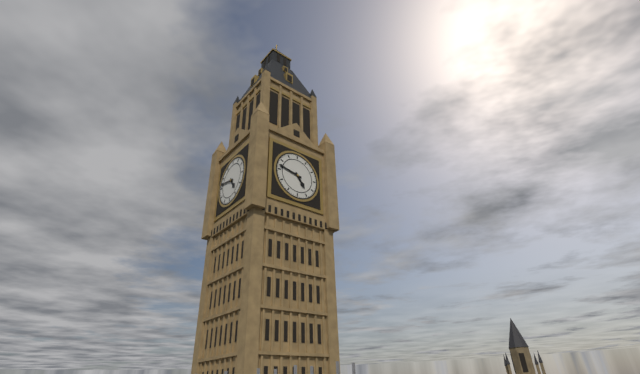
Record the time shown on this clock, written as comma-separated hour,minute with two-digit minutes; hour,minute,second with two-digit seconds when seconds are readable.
4,47
